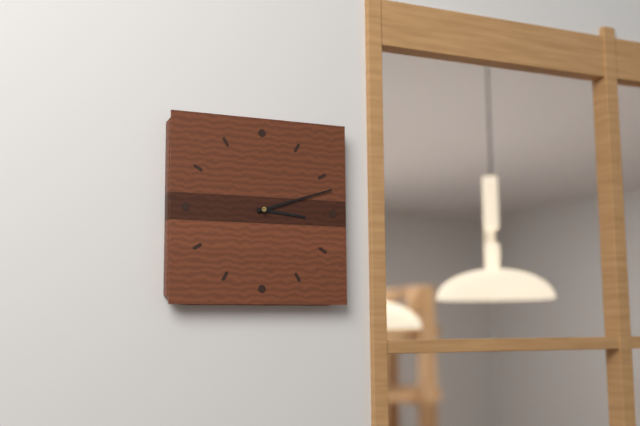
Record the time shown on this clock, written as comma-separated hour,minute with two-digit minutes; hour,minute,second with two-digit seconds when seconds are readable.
3,12
